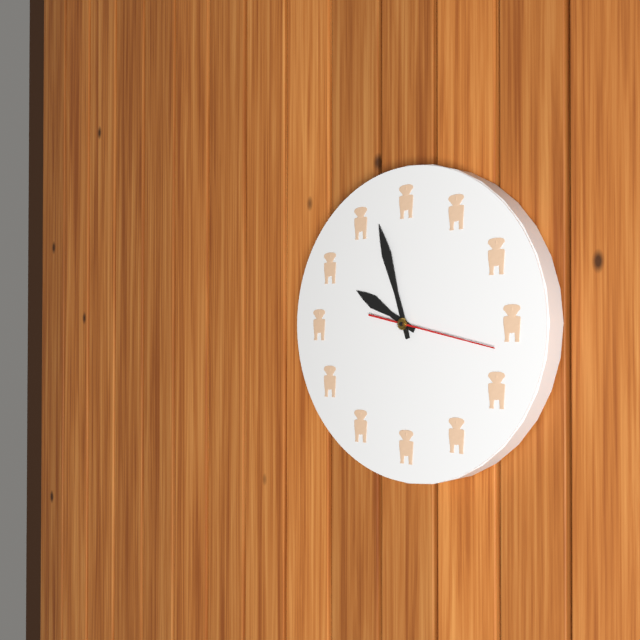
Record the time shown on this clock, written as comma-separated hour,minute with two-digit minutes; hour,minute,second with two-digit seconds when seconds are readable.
9,57,17
